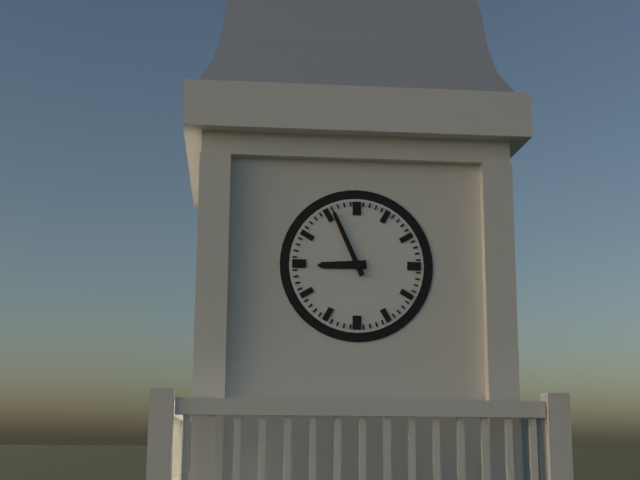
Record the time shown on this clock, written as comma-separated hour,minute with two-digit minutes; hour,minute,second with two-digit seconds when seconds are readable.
8,56
